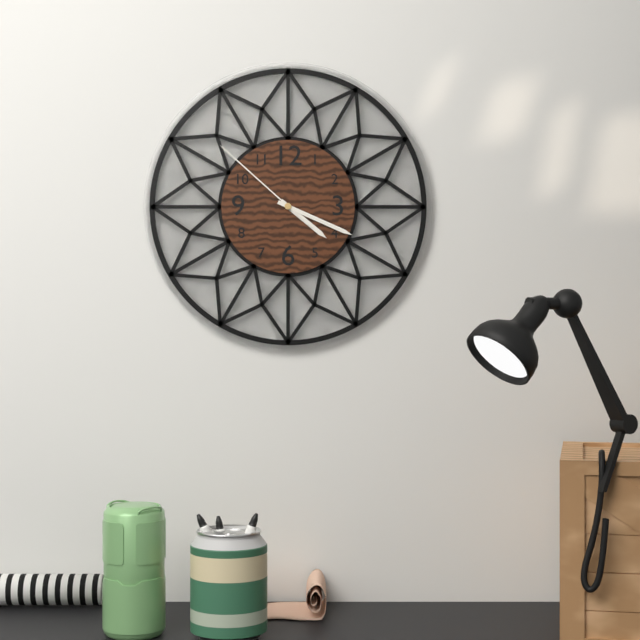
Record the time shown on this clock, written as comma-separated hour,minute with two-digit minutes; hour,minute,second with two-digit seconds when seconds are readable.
4,19,52
